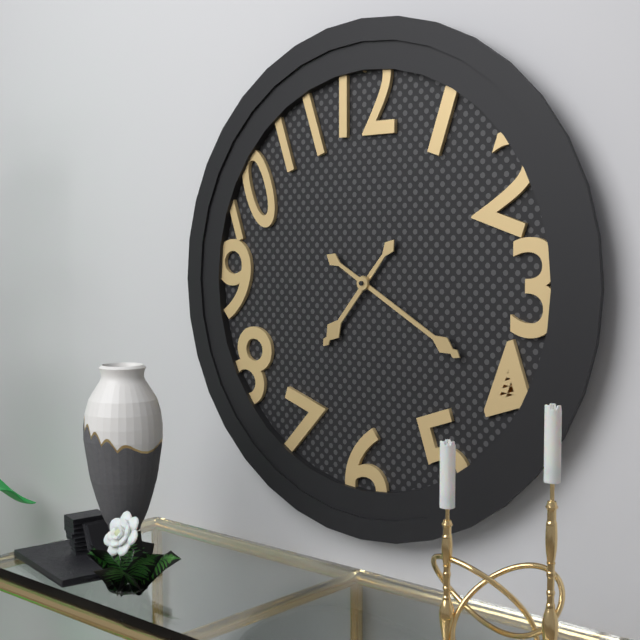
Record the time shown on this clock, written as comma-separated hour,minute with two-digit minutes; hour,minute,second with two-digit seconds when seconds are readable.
7,20
